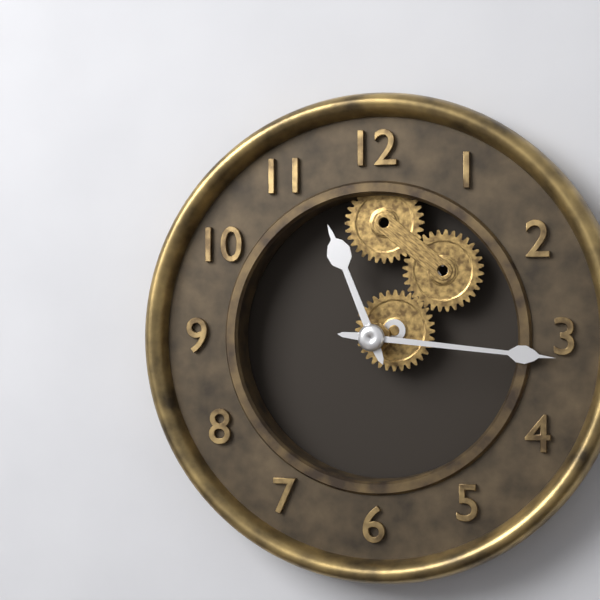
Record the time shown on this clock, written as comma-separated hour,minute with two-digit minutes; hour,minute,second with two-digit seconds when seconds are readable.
11,16
